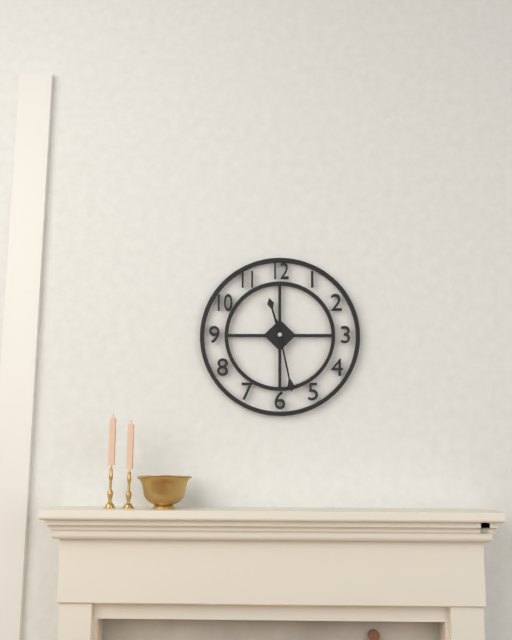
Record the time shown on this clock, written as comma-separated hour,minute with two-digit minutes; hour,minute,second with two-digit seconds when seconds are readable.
11,28
